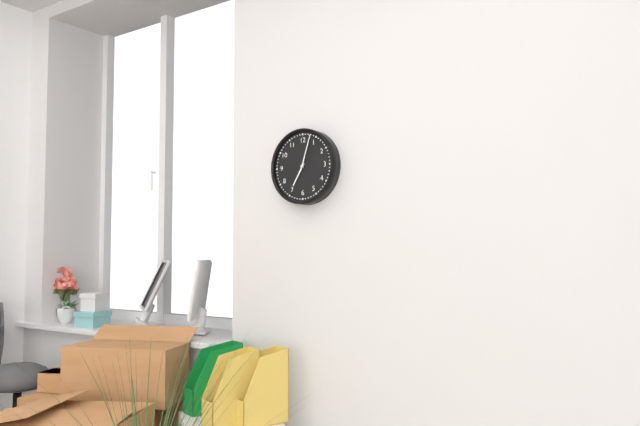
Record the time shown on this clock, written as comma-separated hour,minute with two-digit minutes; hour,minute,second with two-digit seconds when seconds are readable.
7,03
